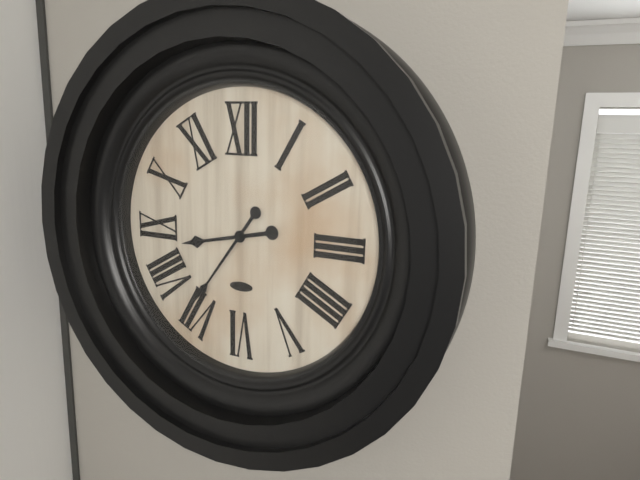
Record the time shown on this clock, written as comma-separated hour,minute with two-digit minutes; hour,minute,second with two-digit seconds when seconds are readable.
8,36
